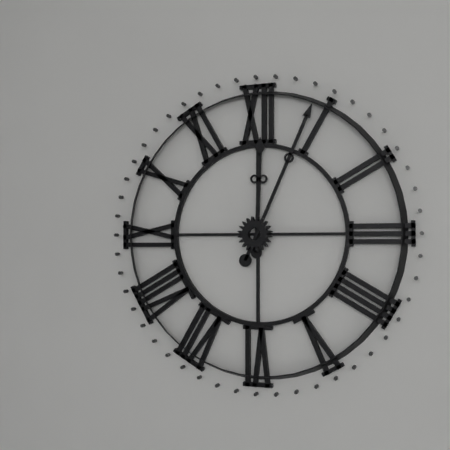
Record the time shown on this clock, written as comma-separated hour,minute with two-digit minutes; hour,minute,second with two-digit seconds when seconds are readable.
12,04
